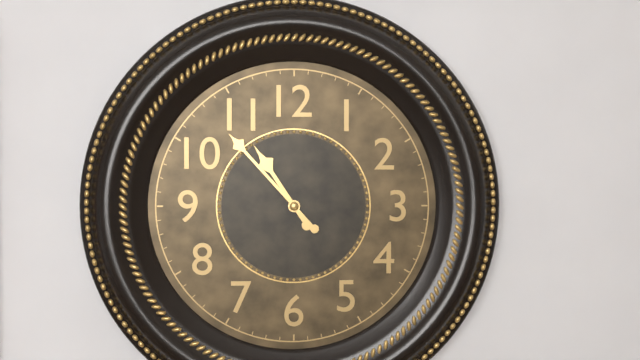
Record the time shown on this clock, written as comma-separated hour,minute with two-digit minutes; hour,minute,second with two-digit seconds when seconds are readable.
10,53
